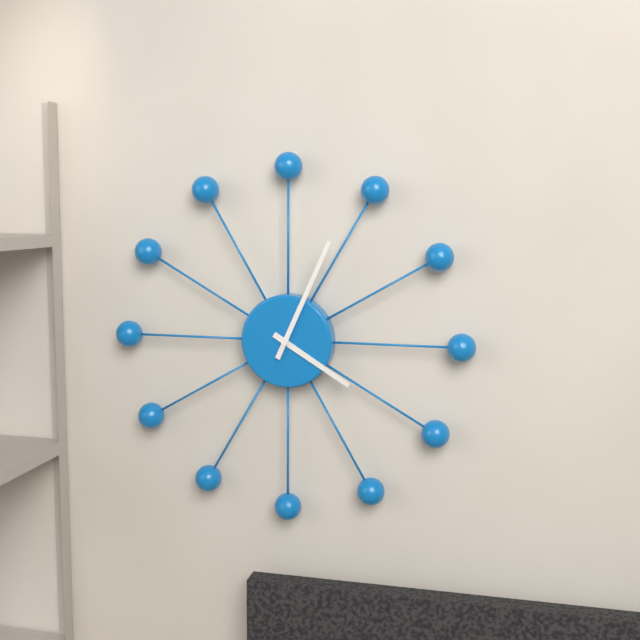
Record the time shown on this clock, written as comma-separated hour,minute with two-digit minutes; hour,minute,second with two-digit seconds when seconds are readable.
4,04
